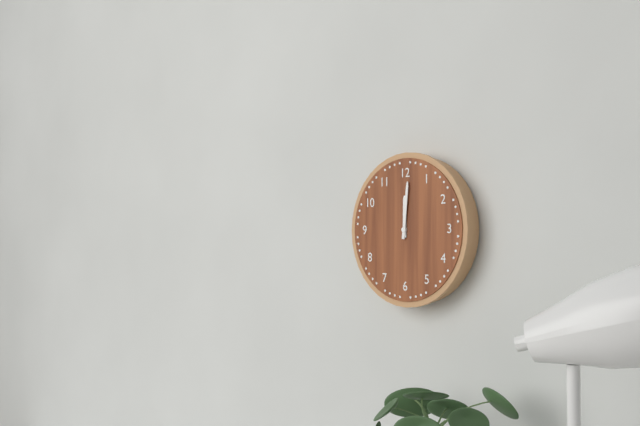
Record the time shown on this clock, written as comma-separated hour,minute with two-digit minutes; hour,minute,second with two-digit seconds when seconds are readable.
12,01
